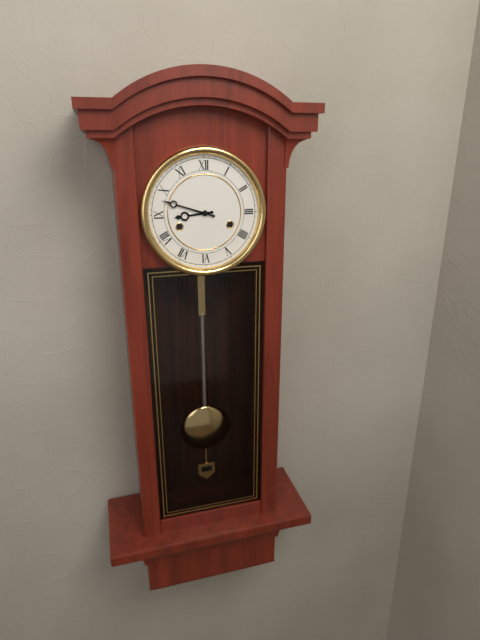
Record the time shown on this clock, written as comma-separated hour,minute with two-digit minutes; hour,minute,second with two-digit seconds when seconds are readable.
8,48
